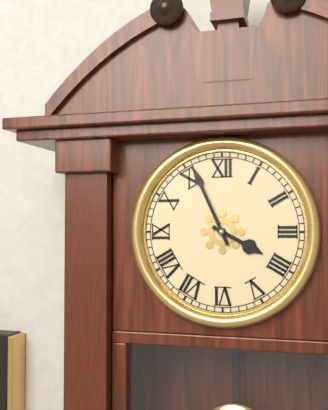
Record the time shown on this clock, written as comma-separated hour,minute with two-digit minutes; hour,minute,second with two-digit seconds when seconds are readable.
3,56
